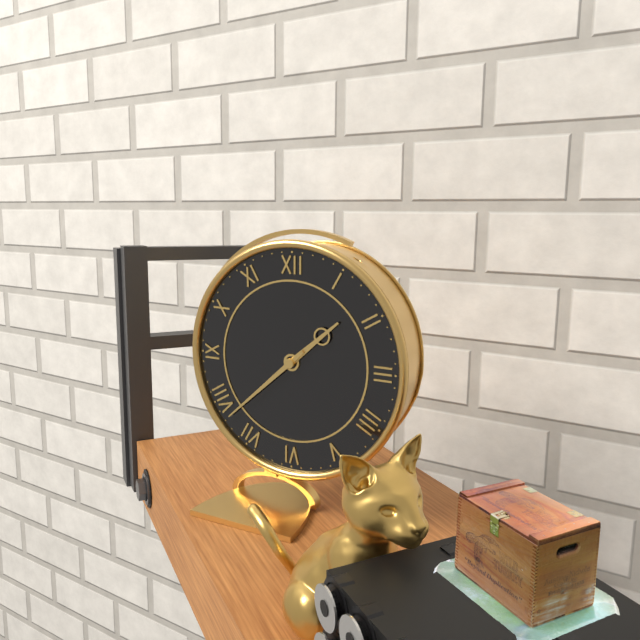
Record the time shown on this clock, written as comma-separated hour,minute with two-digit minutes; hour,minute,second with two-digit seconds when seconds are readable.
1,38
